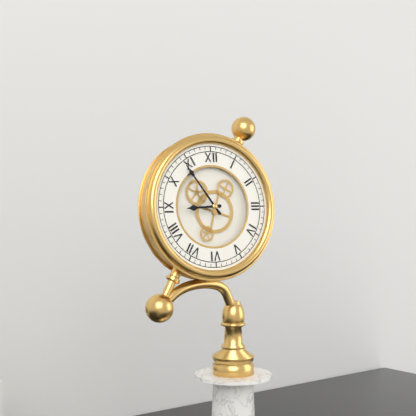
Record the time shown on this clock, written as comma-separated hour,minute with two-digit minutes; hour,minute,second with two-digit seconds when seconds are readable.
8,54
